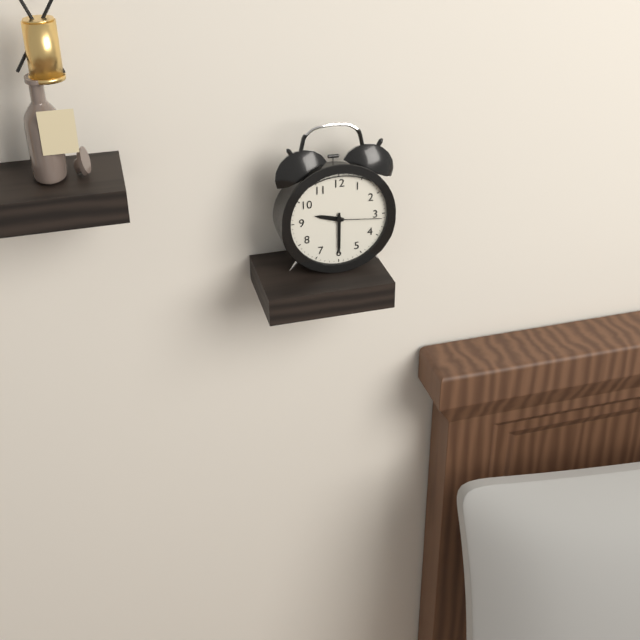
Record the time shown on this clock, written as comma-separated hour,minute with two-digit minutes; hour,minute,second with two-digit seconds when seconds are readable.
9,30,16
